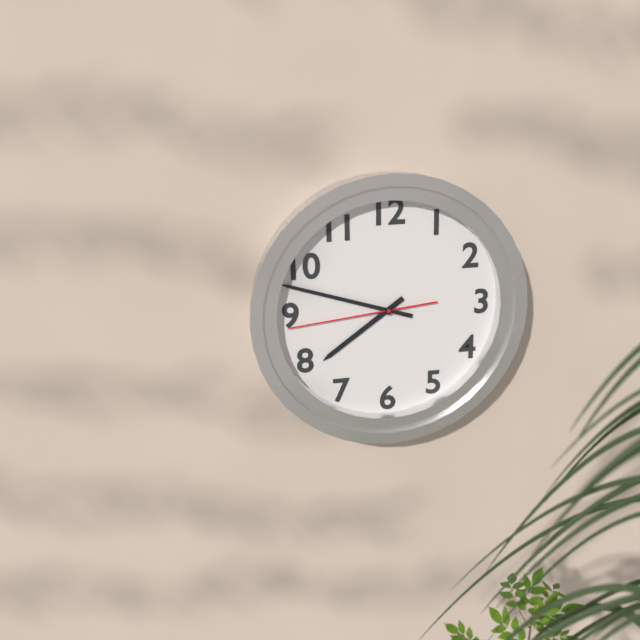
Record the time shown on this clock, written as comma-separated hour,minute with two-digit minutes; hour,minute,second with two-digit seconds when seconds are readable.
7,48,44
